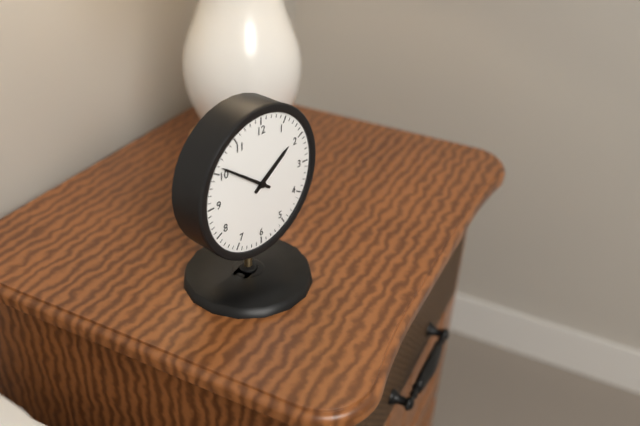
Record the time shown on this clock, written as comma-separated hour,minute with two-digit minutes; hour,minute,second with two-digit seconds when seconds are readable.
1,51
